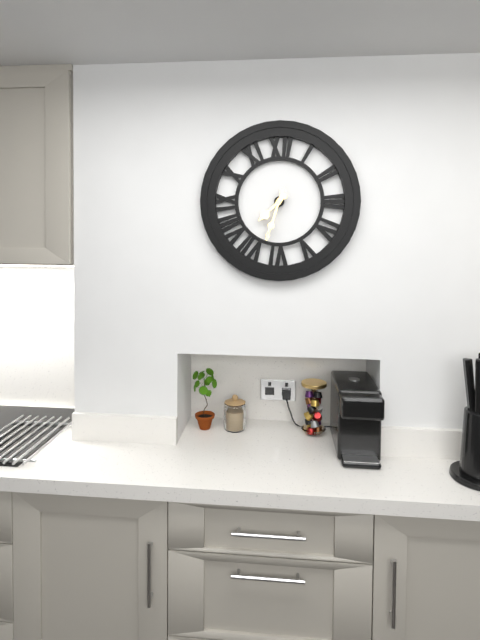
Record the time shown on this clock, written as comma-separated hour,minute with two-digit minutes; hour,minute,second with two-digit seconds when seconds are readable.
7,33
